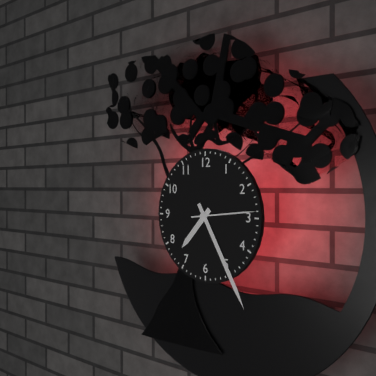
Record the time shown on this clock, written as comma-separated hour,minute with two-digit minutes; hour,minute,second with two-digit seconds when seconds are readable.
7,25,14
